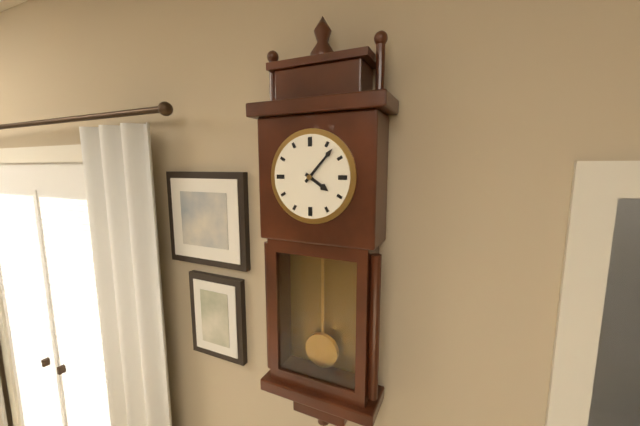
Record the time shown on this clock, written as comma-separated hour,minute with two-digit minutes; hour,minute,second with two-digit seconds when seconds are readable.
4,07
